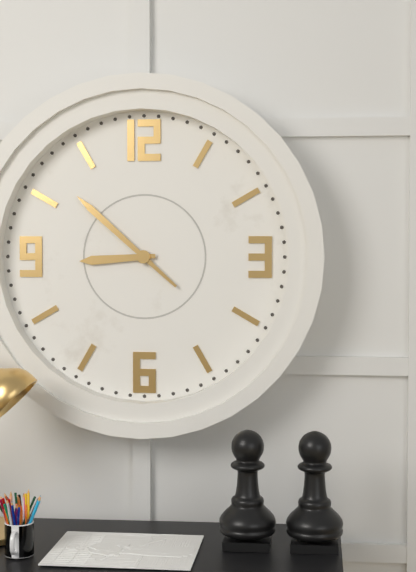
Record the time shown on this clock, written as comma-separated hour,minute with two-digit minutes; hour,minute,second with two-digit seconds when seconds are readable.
8,52
